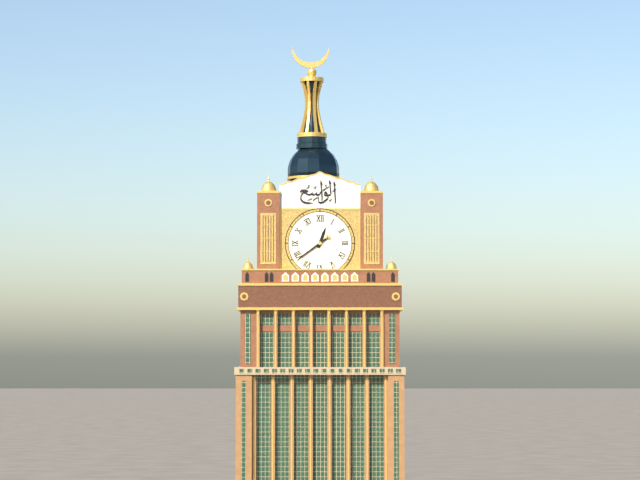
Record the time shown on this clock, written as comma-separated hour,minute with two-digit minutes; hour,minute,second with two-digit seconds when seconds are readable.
12,39
